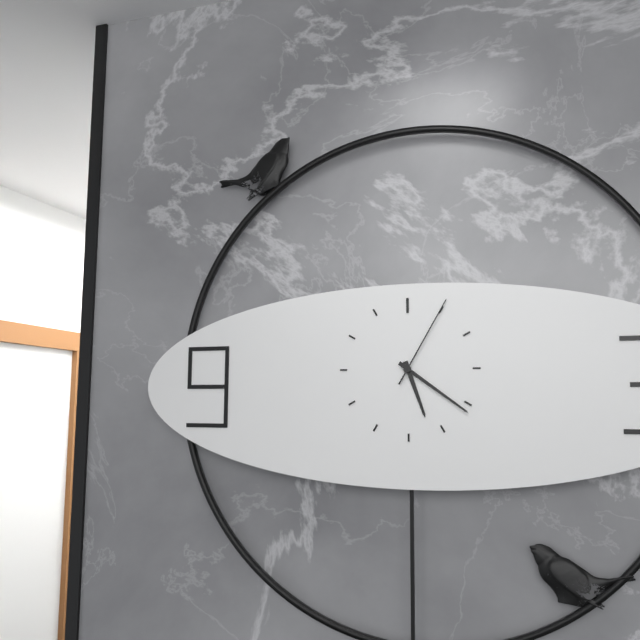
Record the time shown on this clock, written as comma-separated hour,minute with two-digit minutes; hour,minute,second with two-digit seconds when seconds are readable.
5,21,05
